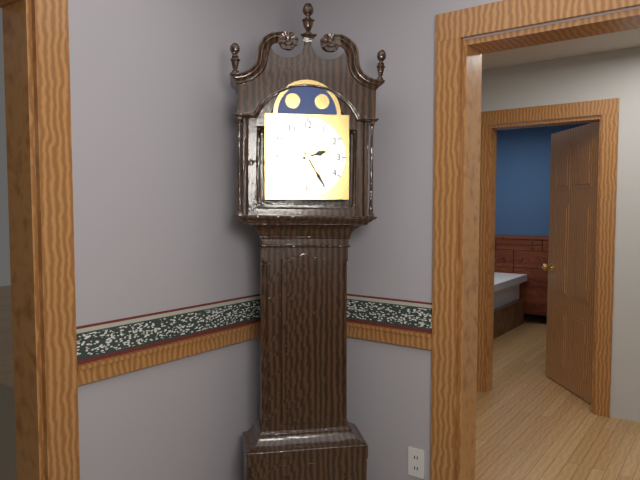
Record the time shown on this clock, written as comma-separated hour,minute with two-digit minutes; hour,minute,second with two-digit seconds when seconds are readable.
2,25
